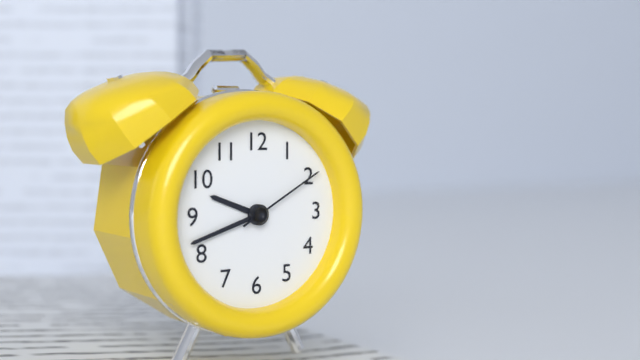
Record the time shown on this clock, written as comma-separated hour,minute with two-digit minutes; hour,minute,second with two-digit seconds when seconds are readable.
9,42,10
